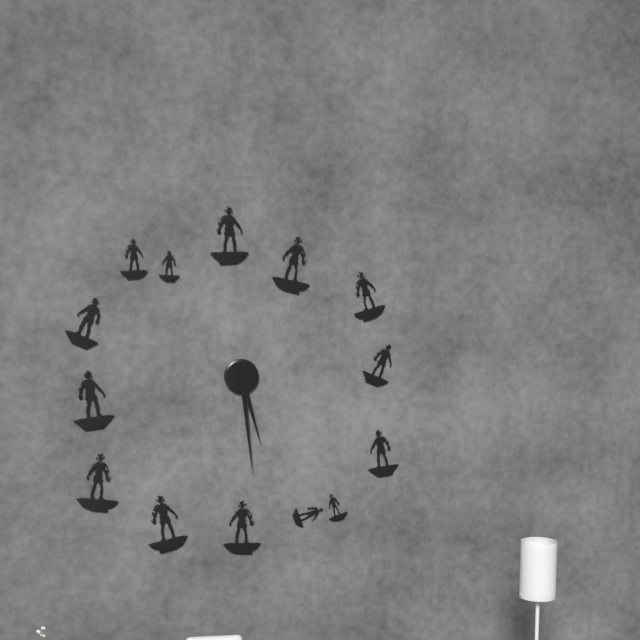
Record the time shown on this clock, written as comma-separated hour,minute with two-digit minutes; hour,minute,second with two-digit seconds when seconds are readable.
5,29
